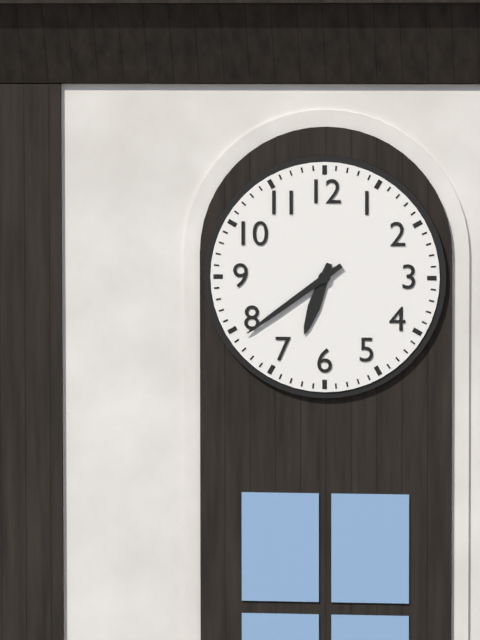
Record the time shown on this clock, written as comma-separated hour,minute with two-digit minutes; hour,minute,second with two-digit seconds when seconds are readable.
6,39
